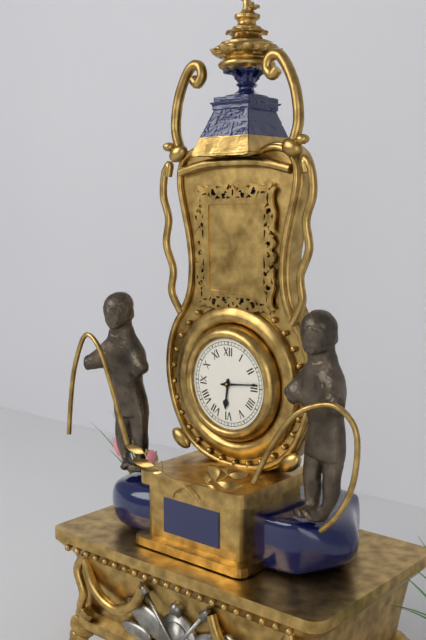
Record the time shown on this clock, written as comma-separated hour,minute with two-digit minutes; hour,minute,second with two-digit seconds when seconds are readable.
6,14
